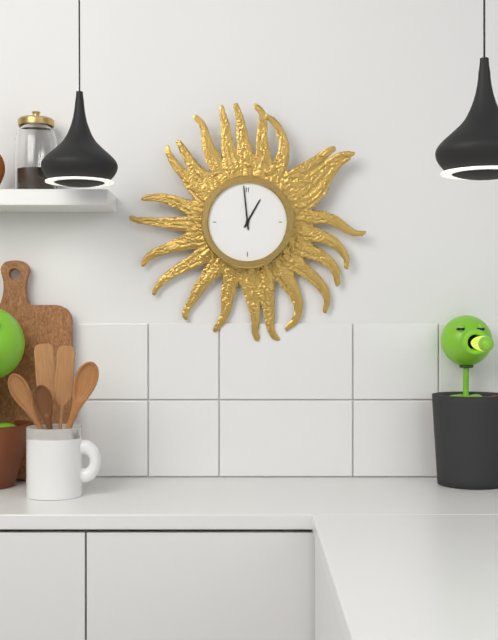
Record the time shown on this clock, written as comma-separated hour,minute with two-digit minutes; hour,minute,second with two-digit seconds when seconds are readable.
12,59
